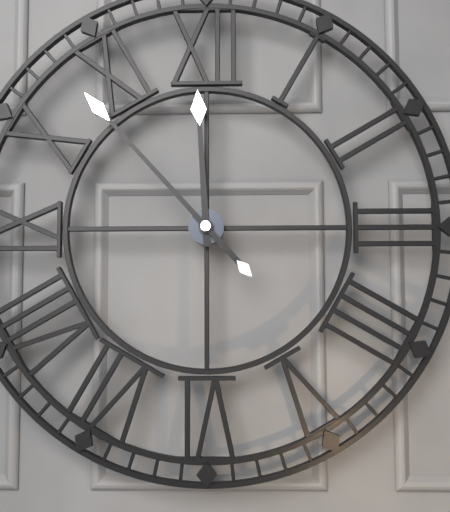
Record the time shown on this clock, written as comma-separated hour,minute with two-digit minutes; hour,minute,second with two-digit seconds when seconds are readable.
11,53
